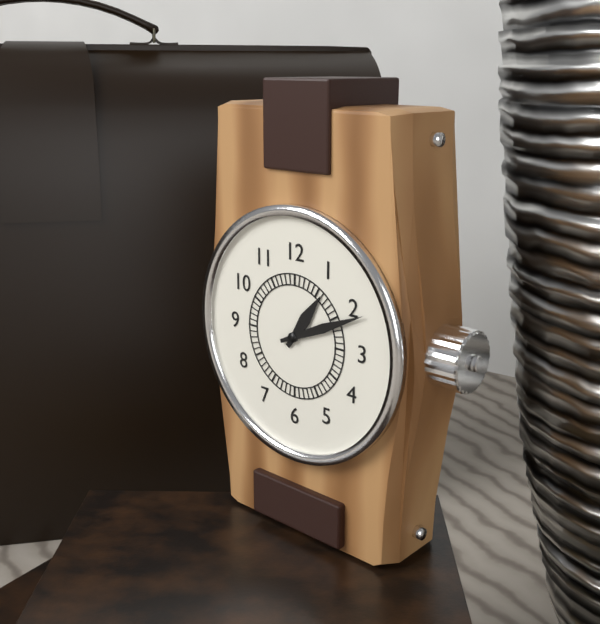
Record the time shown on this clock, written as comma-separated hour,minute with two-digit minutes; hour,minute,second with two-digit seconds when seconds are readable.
1,11
